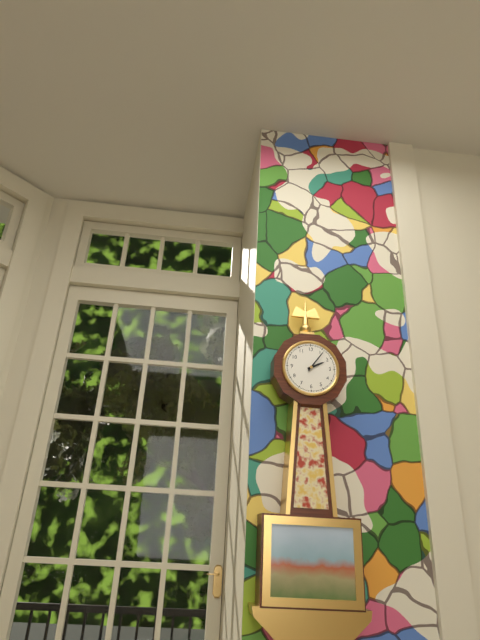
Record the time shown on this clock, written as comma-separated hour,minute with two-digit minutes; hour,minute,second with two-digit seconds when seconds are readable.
2,06
